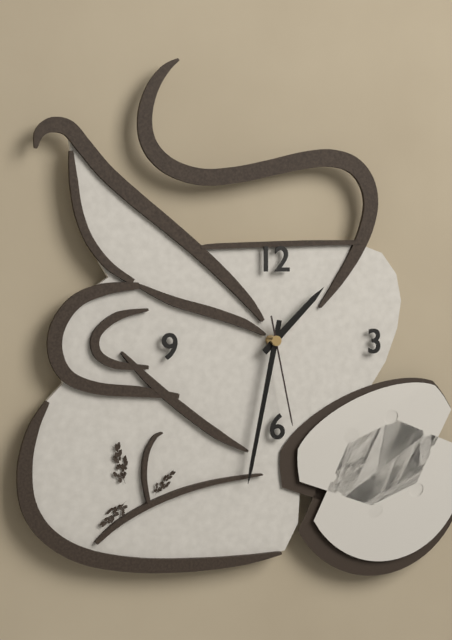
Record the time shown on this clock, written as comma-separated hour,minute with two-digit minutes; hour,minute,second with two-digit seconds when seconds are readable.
1,32,28
